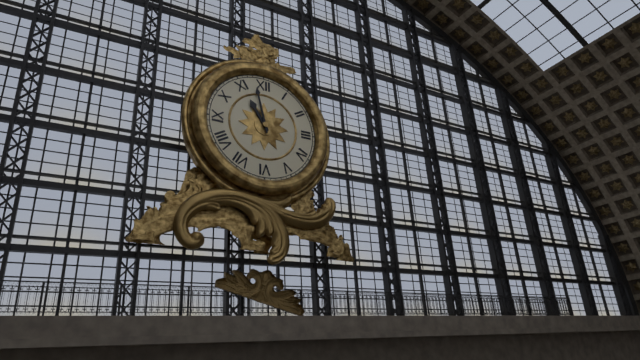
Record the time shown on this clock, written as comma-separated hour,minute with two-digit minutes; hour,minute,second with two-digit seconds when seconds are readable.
10,58
